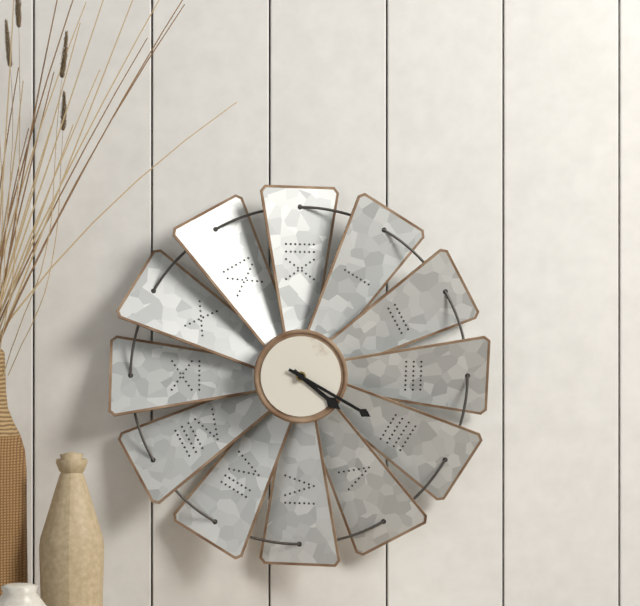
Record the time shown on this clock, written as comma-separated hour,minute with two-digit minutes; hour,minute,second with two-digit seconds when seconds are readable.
4,20
